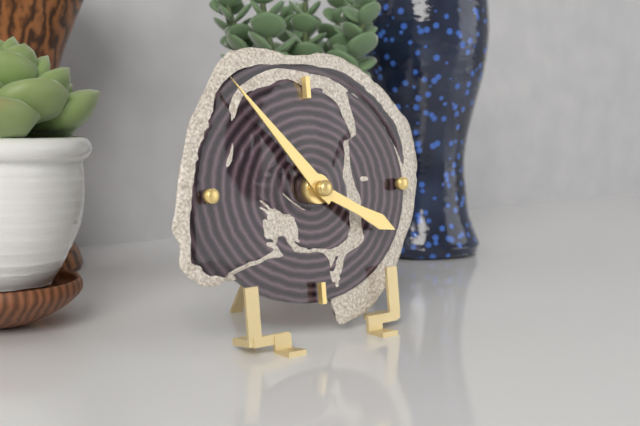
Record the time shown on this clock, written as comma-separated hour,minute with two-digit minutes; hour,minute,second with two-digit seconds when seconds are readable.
3,53
